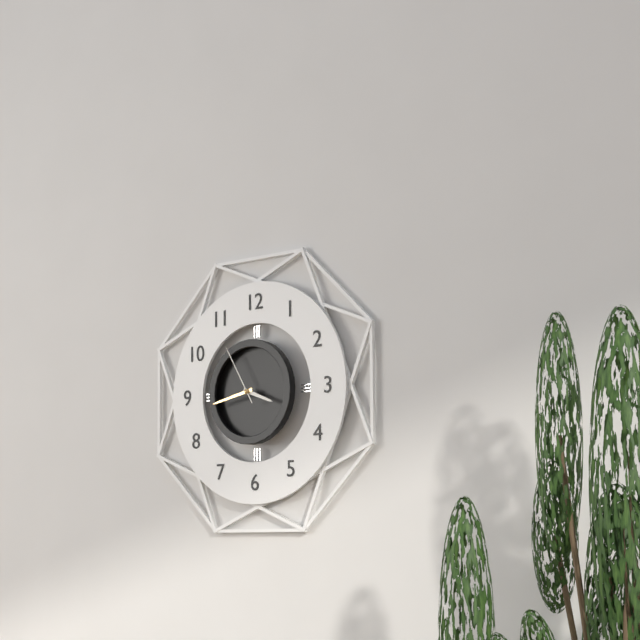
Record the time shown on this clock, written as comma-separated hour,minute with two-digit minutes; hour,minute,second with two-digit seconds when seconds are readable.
3,43,55
